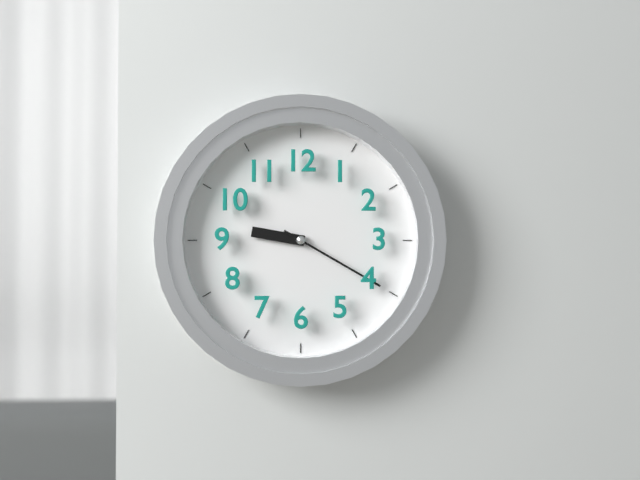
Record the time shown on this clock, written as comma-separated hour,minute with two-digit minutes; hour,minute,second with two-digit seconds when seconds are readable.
9,20
